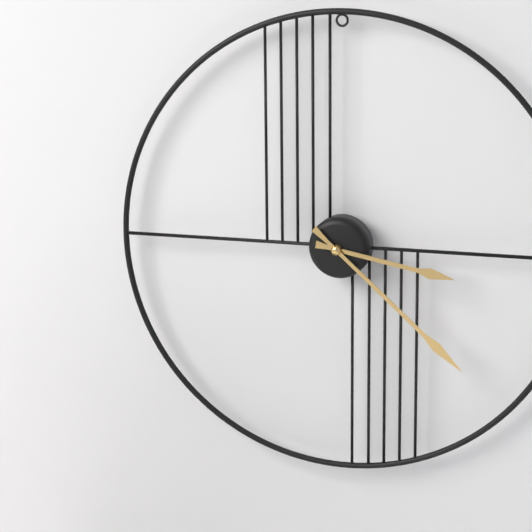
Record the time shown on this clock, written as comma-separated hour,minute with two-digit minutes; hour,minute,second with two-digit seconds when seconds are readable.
3,22
